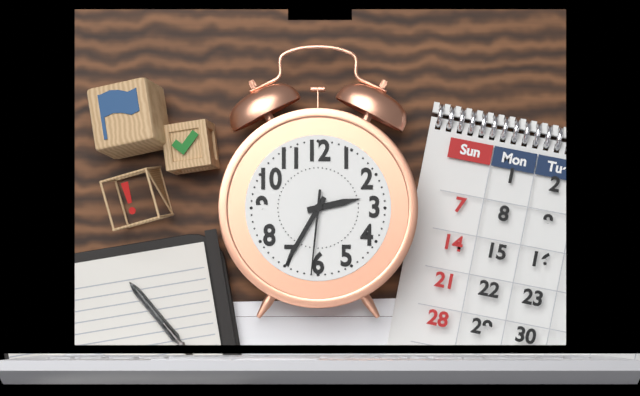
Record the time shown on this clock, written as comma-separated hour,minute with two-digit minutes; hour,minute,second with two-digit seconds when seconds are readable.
2,35,31
